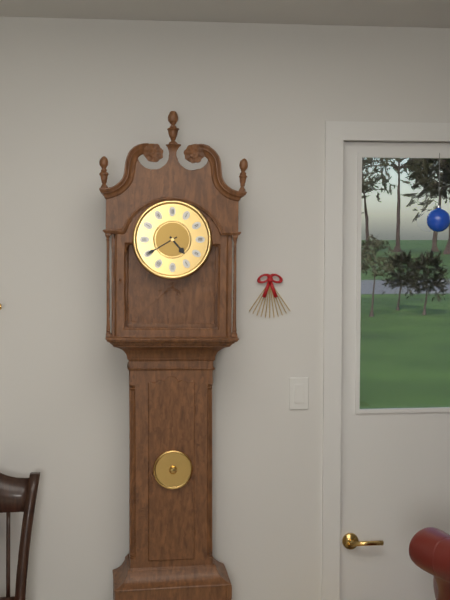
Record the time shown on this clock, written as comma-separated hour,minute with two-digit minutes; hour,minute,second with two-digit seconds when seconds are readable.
4,40
